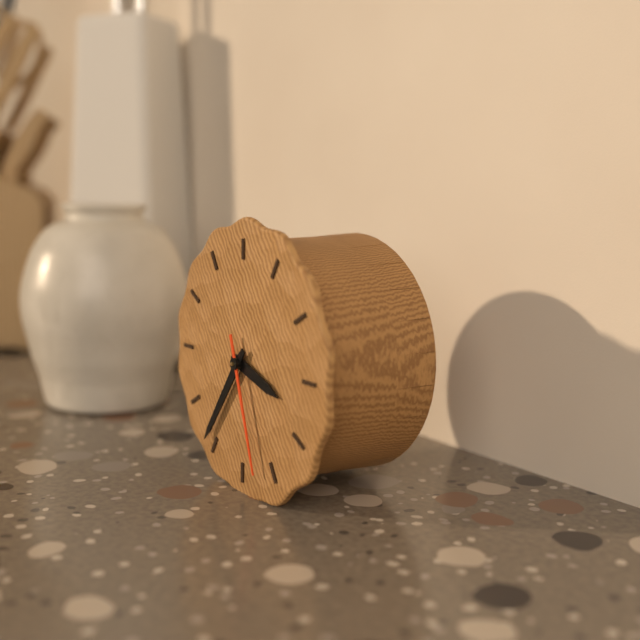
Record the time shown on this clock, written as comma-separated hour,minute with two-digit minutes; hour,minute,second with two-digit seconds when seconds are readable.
3,36,27
